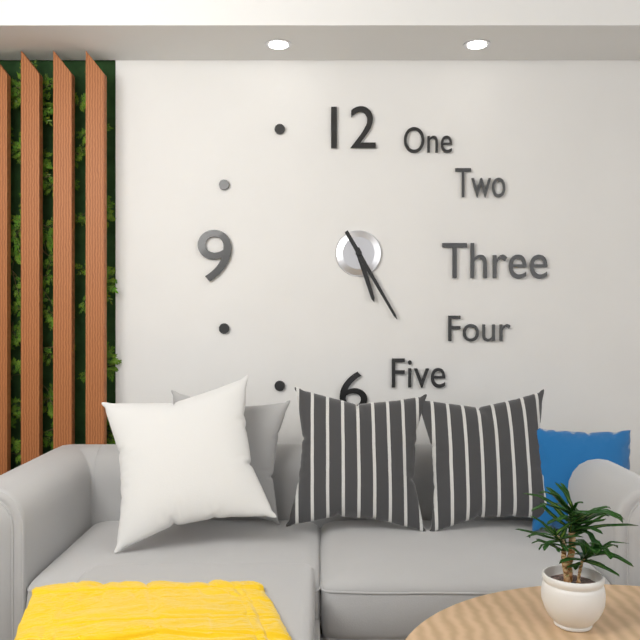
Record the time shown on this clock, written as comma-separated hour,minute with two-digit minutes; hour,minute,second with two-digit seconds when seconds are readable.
5,25
